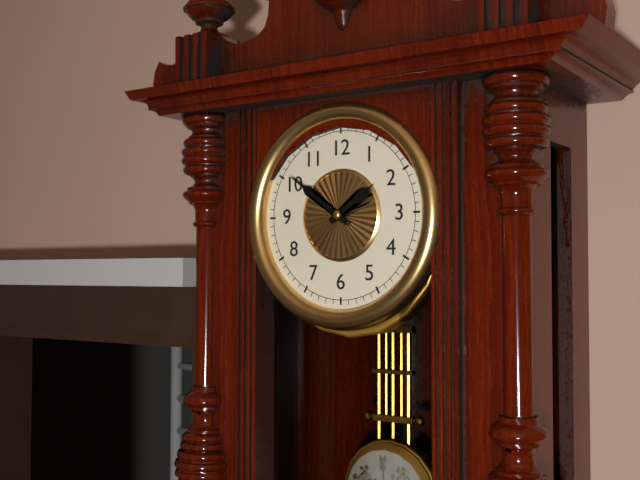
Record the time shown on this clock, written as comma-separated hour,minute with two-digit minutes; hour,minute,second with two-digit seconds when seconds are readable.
1,51
